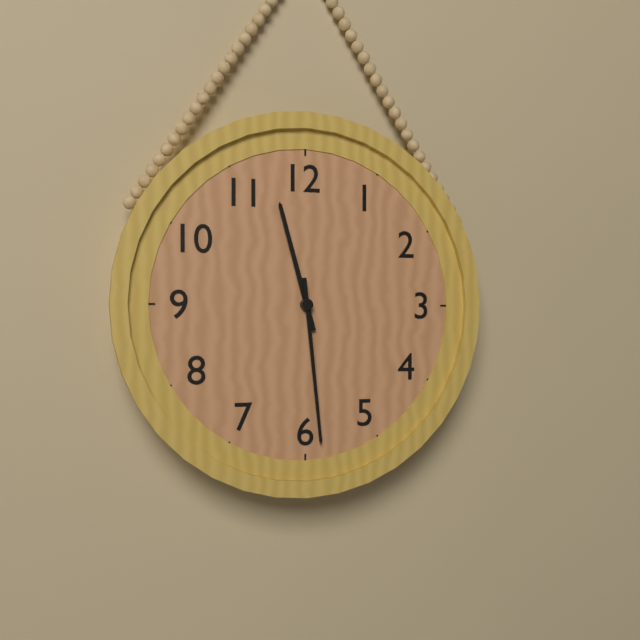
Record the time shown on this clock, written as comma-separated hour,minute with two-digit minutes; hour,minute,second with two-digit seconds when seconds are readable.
11,29
